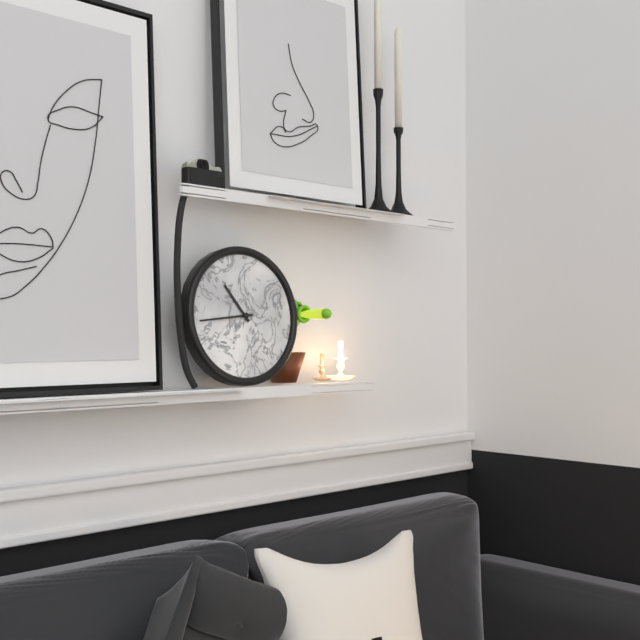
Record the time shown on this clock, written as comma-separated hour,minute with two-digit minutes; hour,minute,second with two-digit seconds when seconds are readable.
10,44
